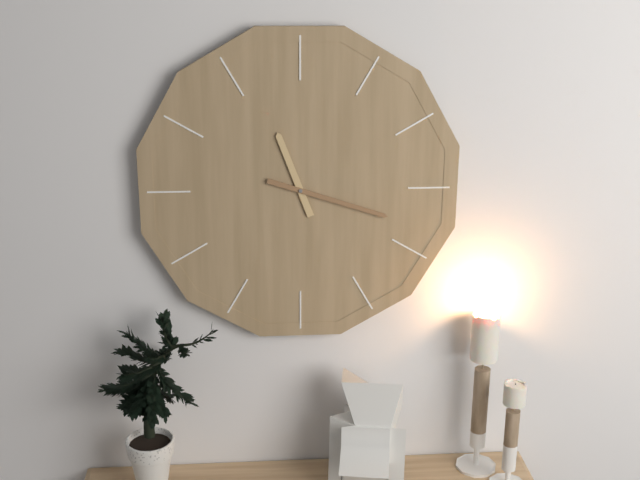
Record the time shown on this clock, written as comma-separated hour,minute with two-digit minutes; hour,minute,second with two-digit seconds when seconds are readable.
11,18
